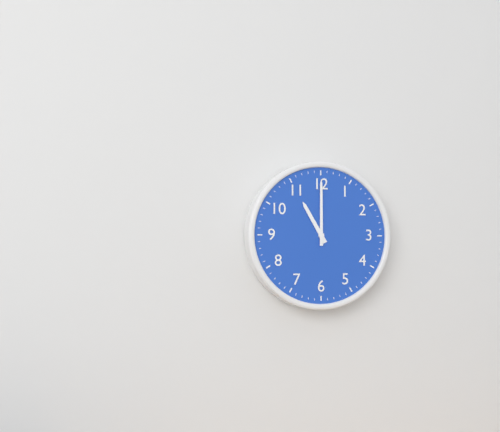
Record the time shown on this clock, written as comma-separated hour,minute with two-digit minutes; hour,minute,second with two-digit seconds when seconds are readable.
11,00
